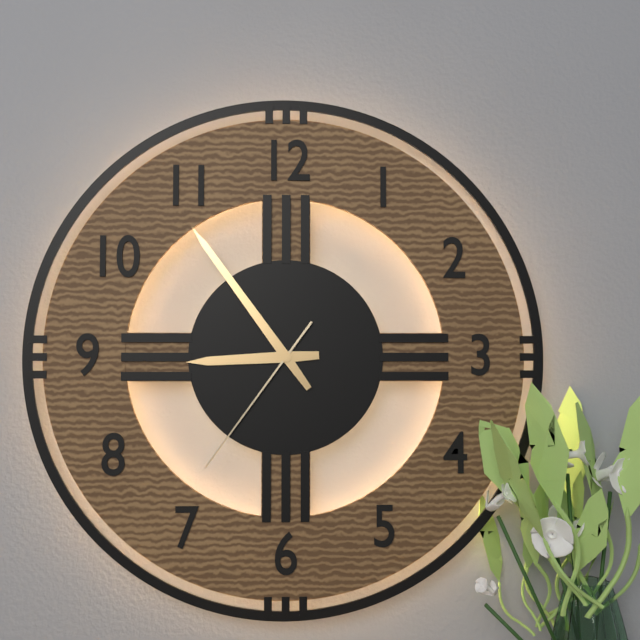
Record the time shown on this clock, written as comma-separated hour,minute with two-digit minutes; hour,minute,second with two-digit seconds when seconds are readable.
8,54,36
